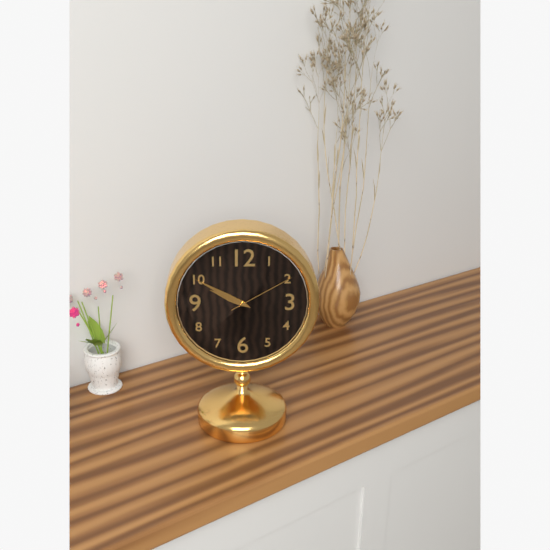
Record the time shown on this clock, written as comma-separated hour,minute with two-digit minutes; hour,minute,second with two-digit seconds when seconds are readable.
9,50,10
